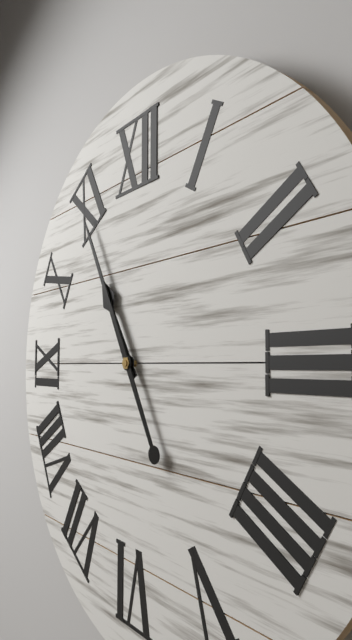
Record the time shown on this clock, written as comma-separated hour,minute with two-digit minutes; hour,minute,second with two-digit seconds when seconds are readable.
10,55
